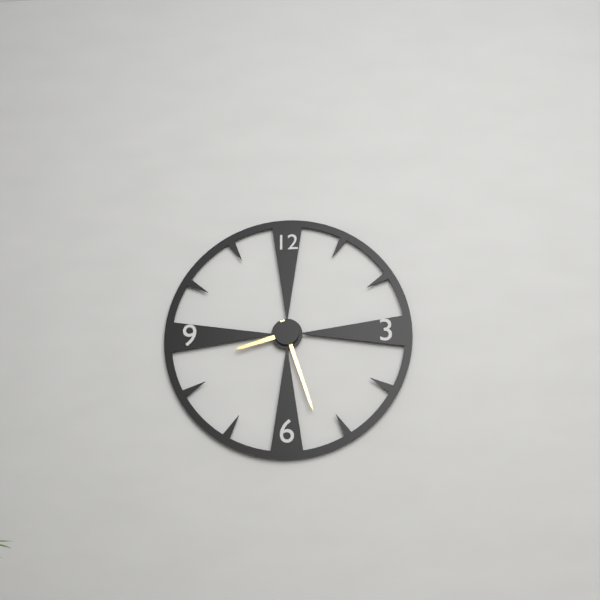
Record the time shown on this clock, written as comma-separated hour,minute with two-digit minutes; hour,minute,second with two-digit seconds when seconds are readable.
8,27
